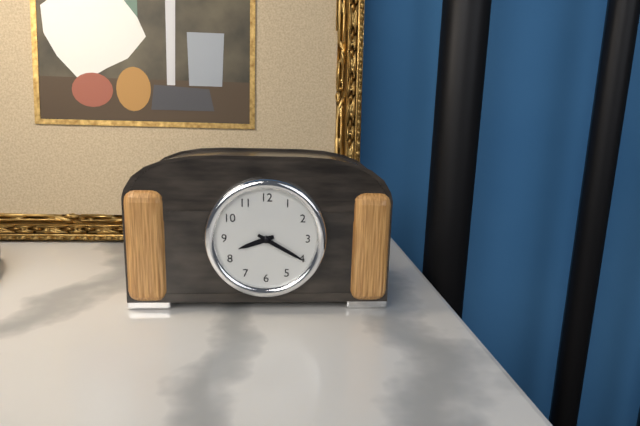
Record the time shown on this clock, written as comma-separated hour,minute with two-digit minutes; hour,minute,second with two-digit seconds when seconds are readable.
8,20
